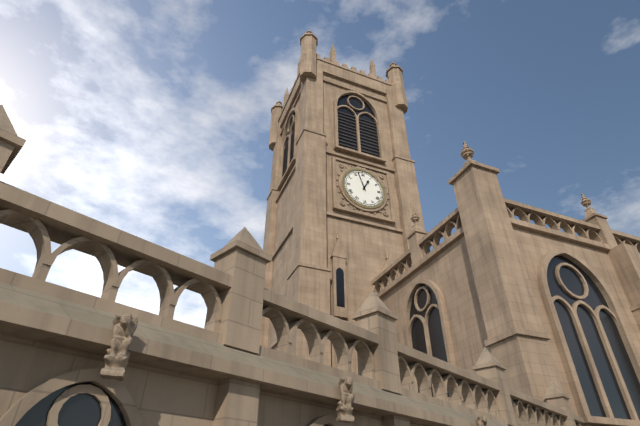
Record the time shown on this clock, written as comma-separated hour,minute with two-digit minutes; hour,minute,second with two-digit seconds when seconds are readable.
12,57
